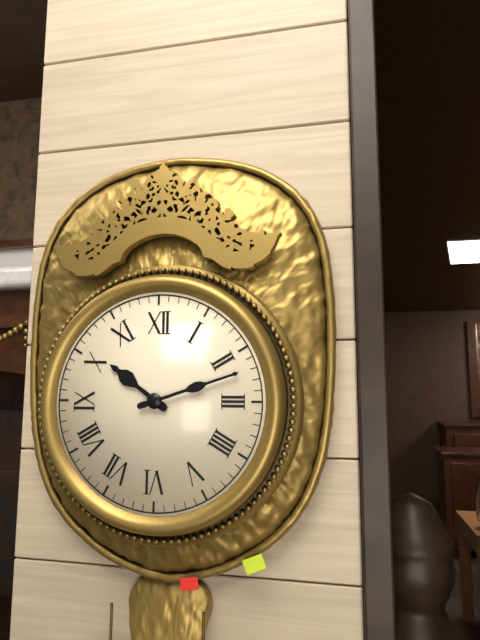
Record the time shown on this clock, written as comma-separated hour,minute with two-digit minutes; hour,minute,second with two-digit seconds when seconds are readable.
10,12
